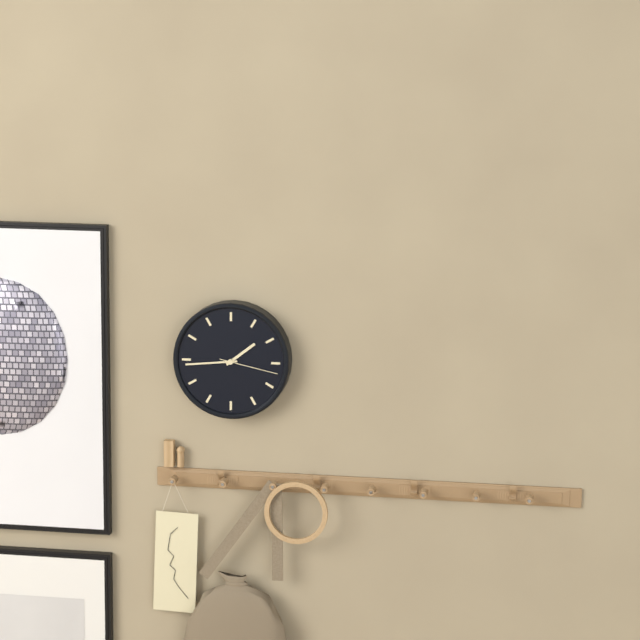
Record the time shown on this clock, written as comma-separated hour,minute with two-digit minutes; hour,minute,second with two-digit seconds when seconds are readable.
1,44,17
